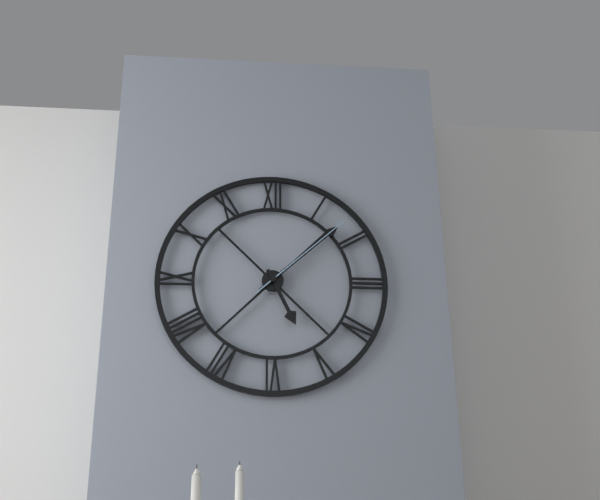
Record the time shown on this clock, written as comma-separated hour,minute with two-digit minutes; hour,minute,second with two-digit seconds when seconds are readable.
5,08,08
